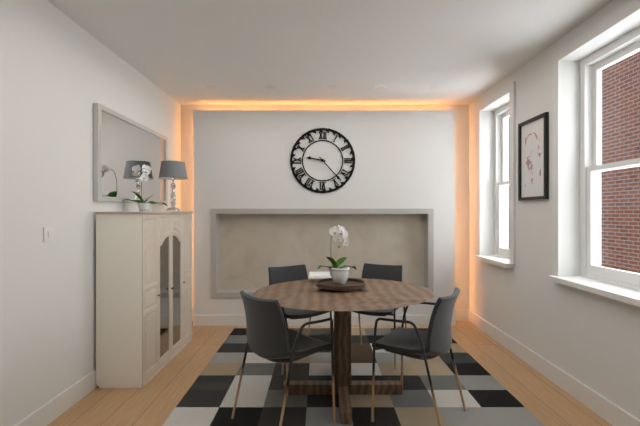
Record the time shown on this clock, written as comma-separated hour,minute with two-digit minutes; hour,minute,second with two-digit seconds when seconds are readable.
9,23
